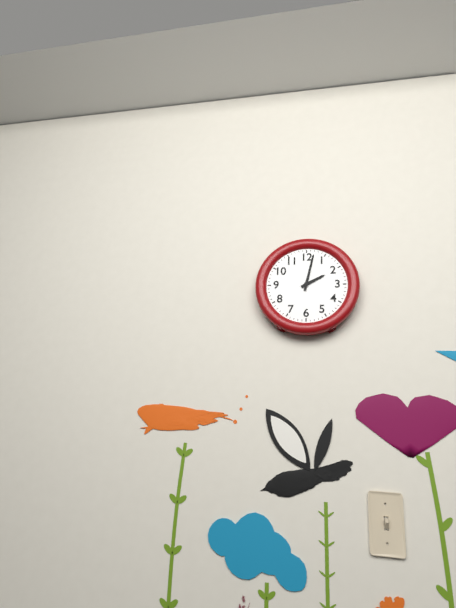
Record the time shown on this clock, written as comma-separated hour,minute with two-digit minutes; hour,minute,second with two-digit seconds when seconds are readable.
2,02
